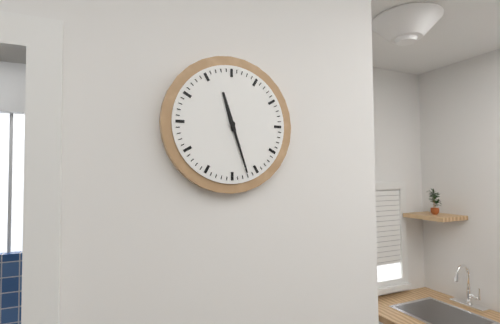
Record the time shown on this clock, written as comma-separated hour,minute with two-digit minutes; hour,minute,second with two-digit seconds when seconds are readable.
11,27
